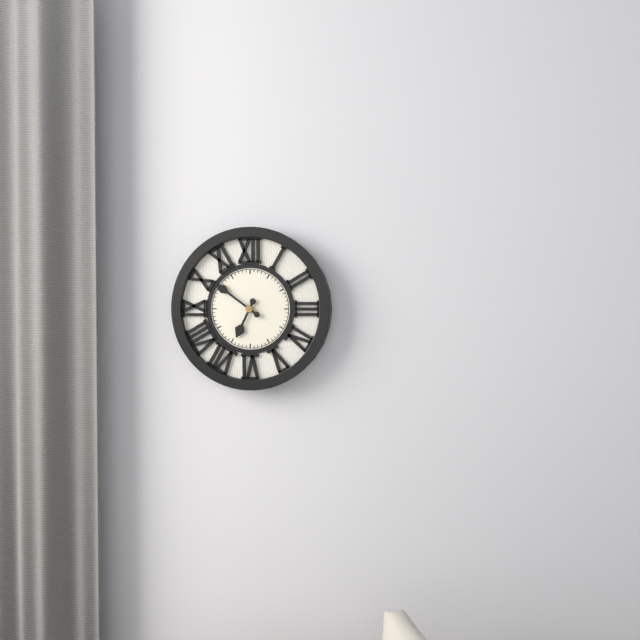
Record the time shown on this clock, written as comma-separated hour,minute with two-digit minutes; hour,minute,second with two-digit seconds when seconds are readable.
6,51
